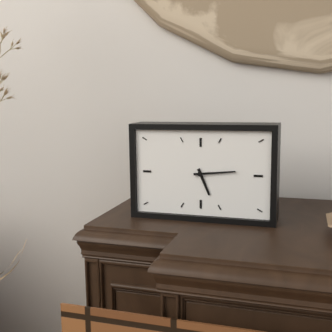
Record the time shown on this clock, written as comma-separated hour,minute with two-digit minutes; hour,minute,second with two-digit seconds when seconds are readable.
5,14
